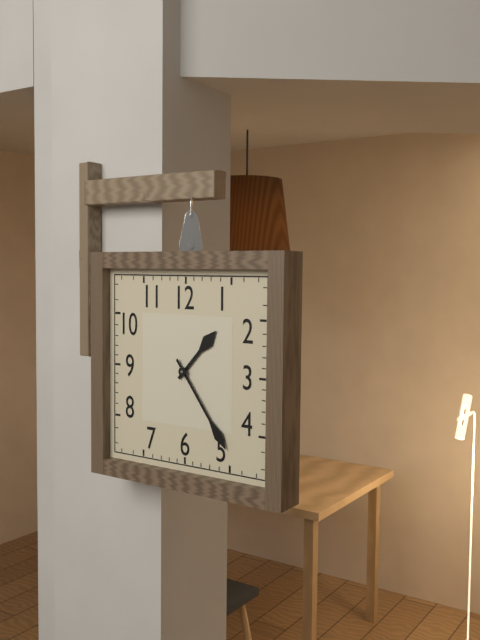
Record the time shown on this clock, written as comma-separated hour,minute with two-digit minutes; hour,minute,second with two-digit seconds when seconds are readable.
1,24
